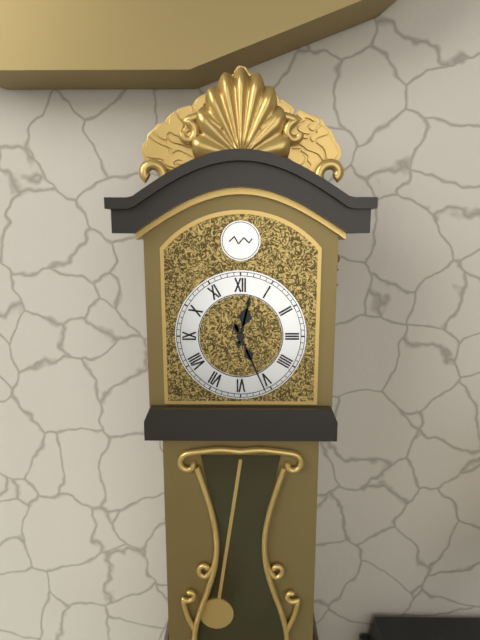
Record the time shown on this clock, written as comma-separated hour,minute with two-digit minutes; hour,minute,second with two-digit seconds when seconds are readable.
12,26
